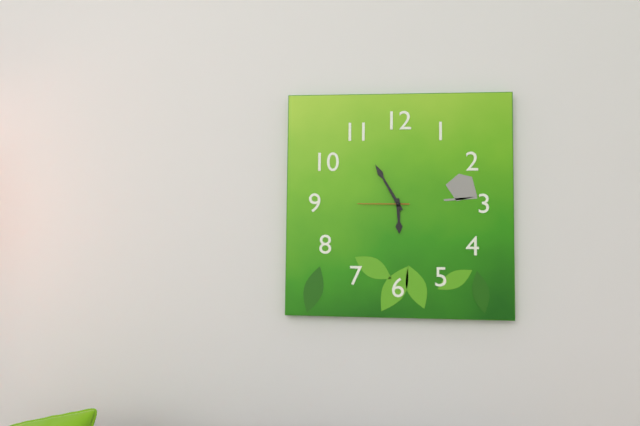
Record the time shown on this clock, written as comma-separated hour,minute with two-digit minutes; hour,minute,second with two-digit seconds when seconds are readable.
5,55,45
